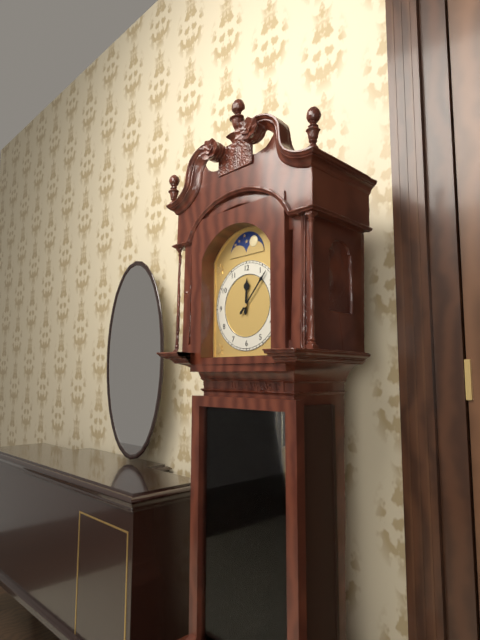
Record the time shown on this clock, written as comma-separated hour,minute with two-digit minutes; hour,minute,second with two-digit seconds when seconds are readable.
12,07
